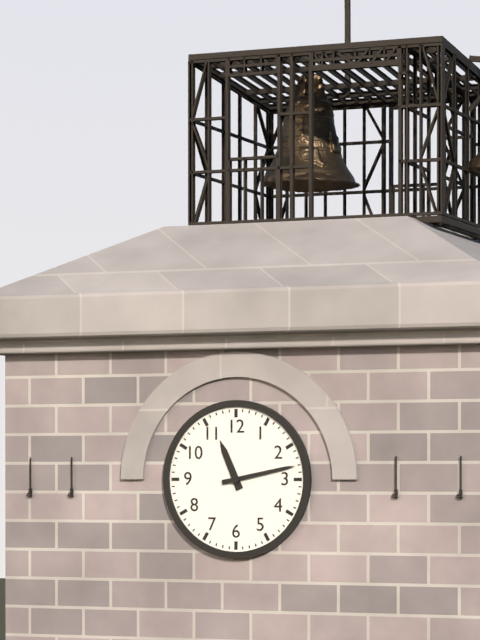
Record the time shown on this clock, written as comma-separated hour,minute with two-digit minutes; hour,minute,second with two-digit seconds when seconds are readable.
11,13
